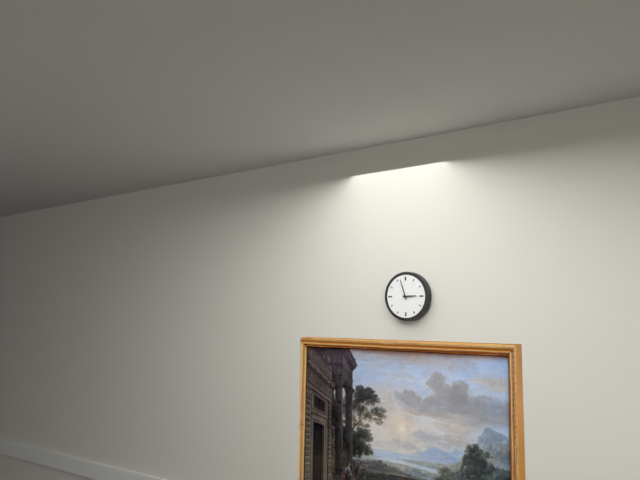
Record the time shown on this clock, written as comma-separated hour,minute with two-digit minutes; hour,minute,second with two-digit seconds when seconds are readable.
2,57
